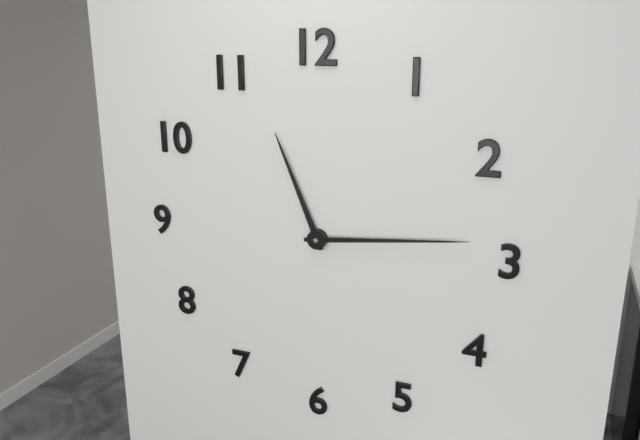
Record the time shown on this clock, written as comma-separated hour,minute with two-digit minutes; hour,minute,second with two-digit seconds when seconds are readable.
11,14
